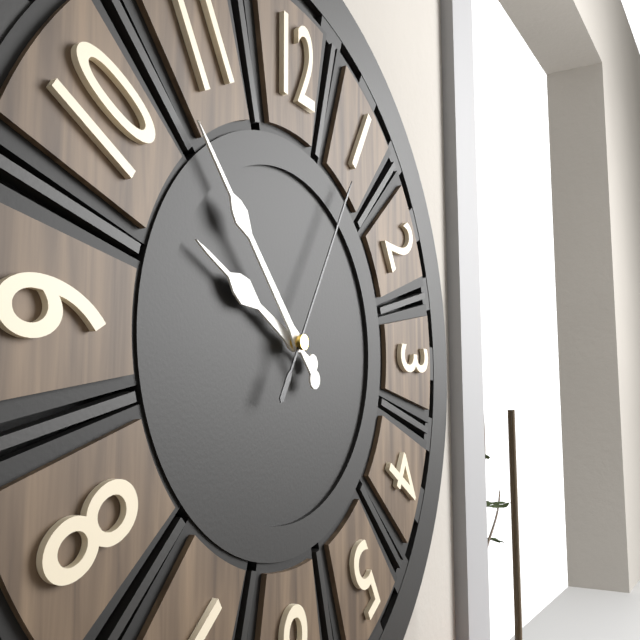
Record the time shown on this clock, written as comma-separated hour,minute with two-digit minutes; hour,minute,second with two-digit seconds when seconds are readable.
9,53,05
